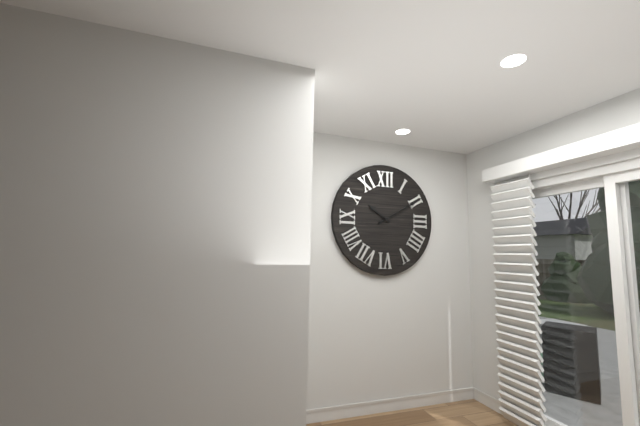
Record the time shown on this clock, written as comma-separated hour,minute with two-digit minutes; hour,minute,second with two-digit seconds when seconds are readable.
10,10
